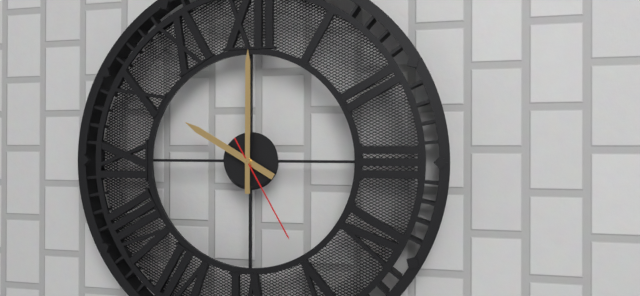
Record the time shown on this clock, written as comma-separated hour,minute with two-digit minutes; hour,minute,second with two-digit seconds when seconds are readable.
10,00,25
